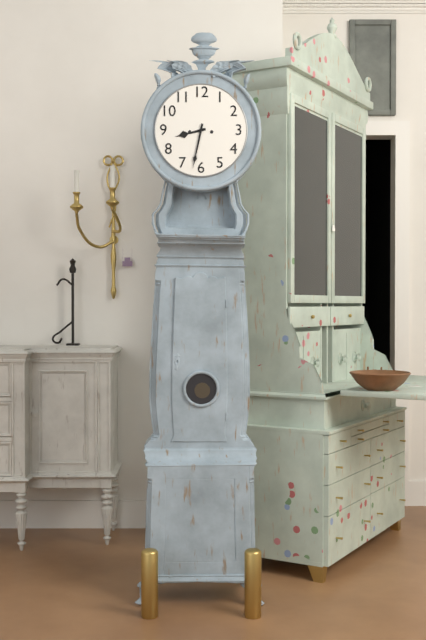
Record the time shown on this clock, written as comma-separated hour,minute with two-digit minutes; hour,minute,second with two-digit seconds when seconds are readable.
8,32
